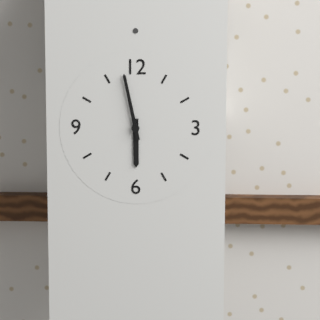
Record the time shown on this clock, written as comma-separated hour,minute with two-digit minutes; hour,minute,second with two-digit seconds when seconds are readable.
5,58
